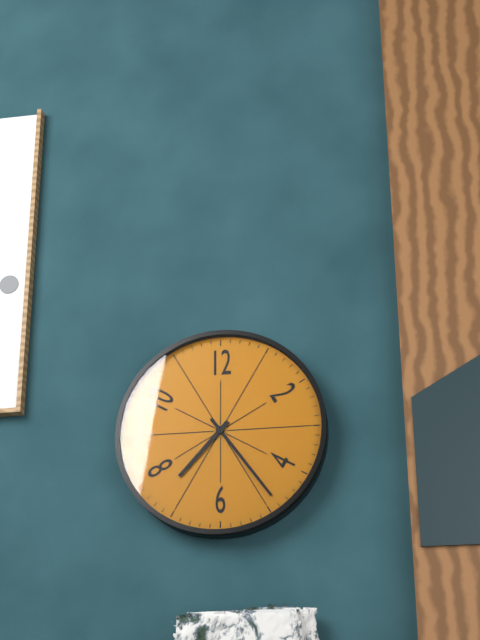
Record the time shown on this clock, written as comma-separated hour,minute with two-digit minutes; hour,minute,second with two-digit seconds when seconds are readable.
7,24
